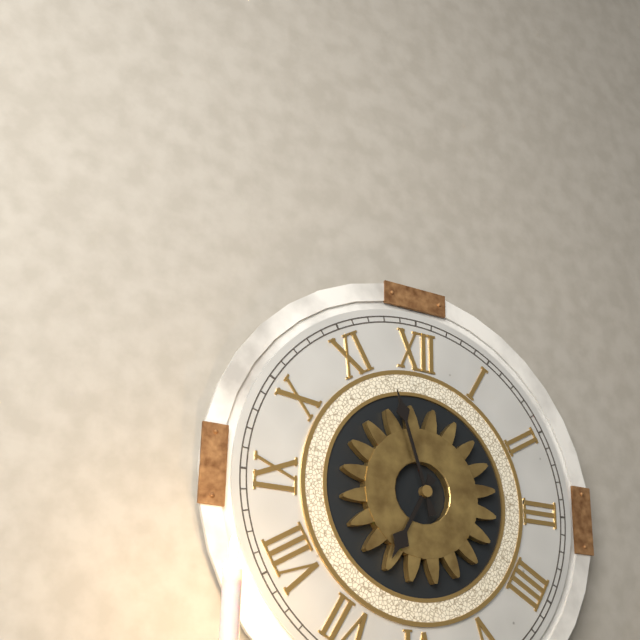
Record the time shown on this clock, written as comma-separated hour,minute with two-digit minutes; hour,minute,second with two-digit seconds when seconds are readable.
6,57
